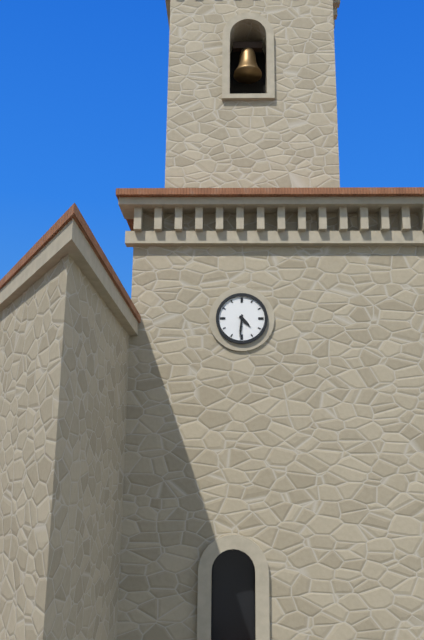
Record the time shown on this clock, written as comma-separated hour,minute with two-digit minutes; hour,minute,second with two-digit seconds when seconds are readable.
4,31
